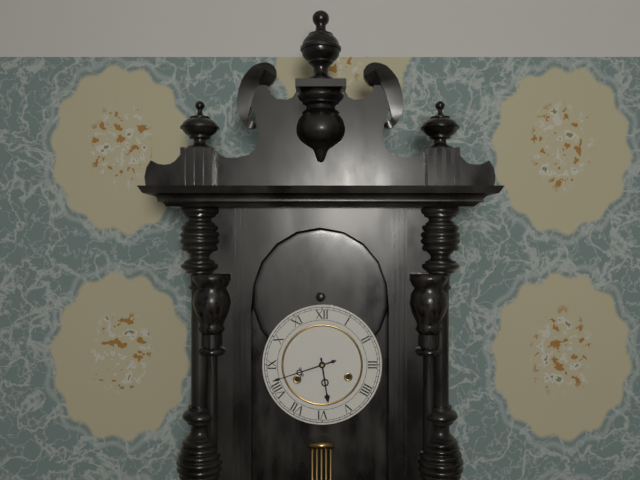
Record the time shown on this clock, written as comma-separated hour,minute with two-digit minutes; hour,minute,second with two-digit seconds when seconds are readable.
5,42
